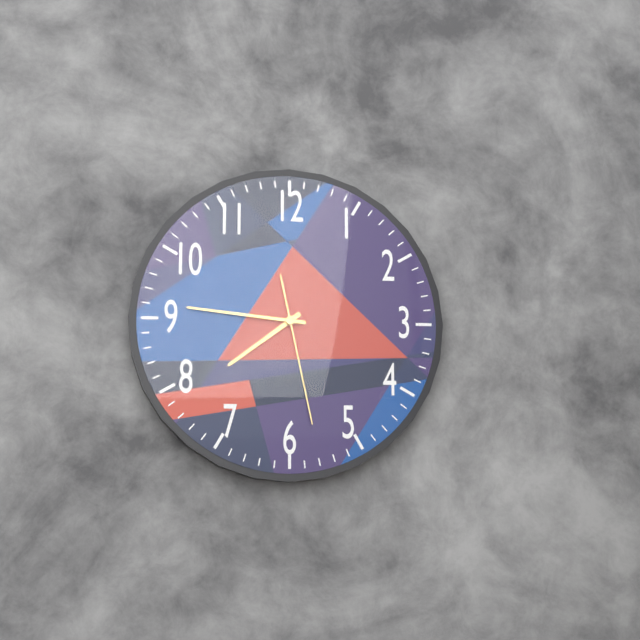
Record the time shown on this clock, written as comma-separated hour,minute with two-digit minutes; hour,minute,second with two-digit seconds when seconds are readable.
7,46,28
